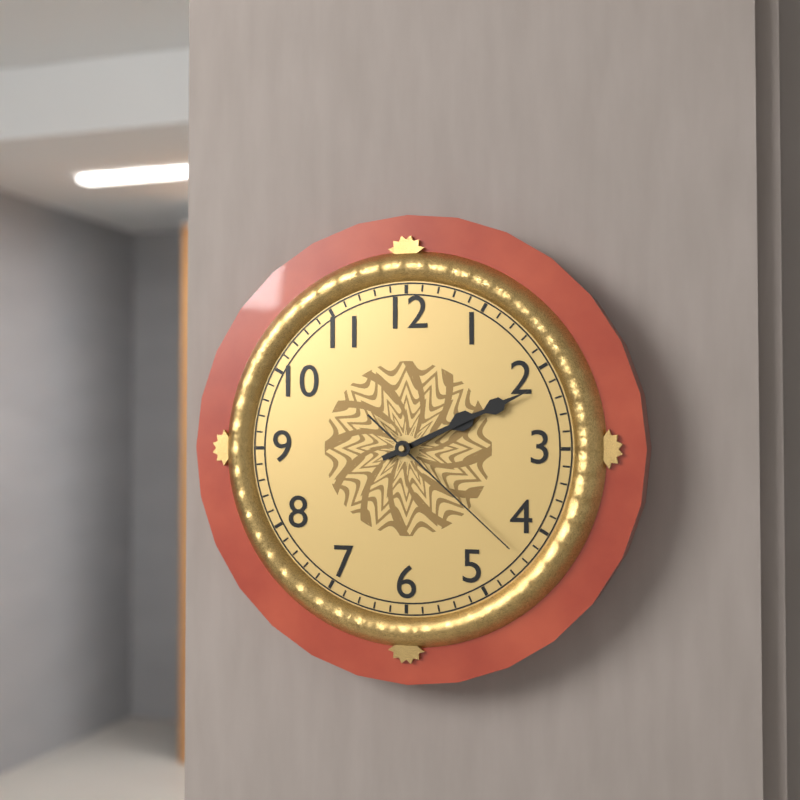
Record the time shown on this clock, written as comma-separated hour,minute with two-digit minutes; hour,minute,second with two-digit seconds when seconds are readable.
2,11,22
